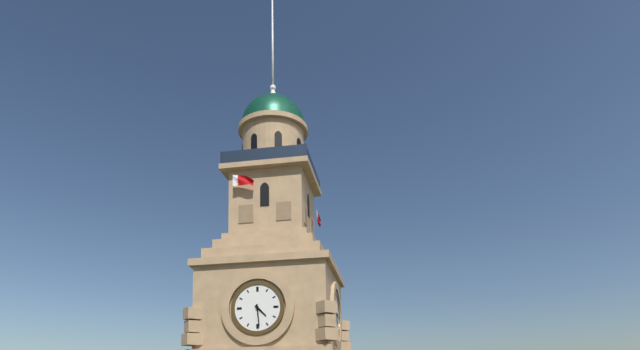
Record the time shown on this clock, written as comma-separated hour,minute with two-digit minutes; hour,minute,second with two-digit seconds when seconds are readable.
4,29
